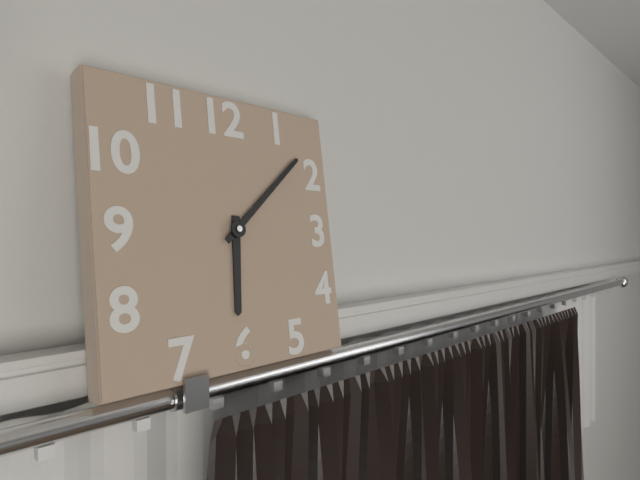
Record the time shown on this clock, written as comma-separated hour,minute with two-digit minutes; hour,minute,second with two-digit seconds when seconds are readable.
6,08
